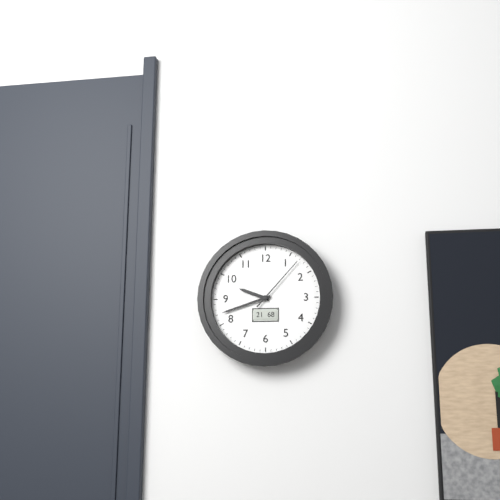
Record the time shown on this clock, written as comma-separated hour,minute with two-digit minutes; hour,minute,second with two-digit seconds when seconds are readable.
9,42,07
